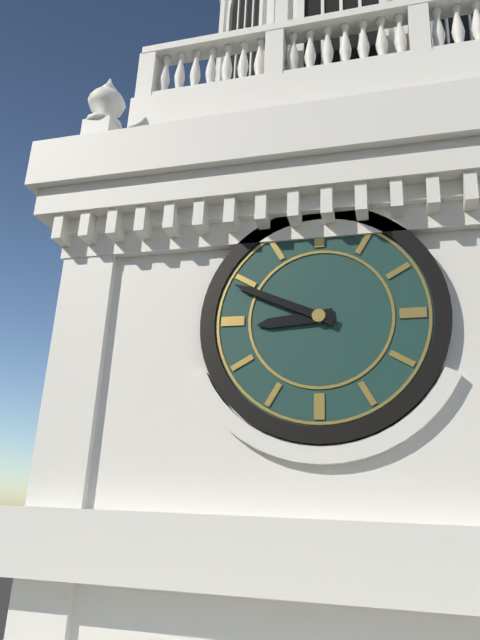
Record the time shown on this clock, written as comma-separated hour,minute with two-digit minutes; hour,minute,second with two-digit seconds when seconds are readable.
8,49
